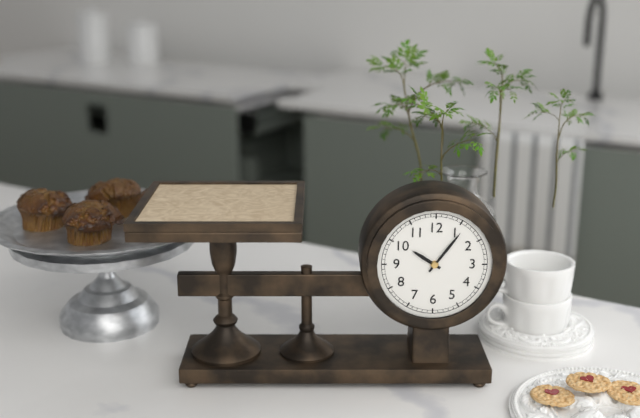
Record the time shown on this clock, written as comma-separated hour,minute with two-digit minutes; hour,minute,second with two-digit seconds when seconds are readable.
10,06
